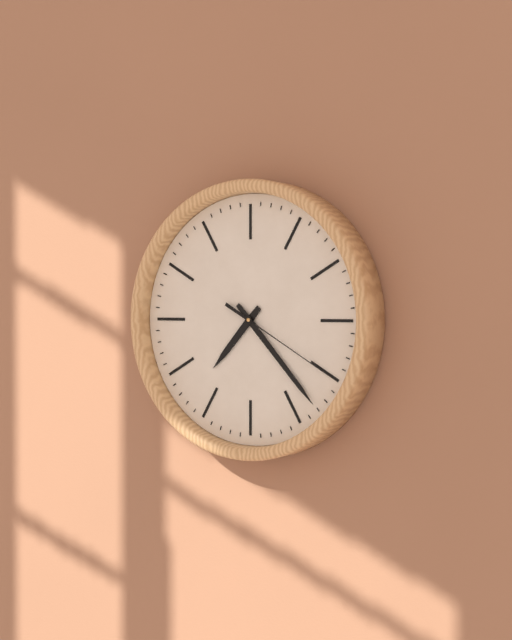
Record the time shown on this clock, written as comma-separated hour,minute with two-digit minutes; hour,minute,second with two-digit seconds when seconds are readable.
7,23,20
